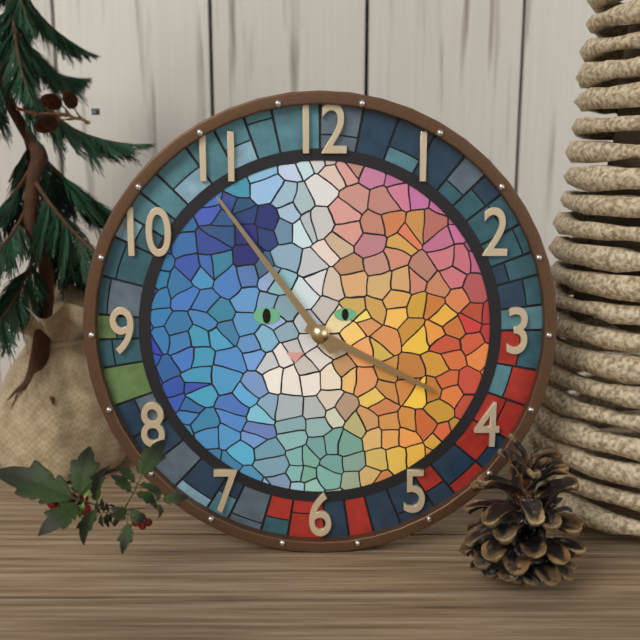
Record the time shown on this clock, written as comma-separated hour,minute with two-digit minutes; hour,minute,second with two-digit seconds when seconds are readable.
3,54
